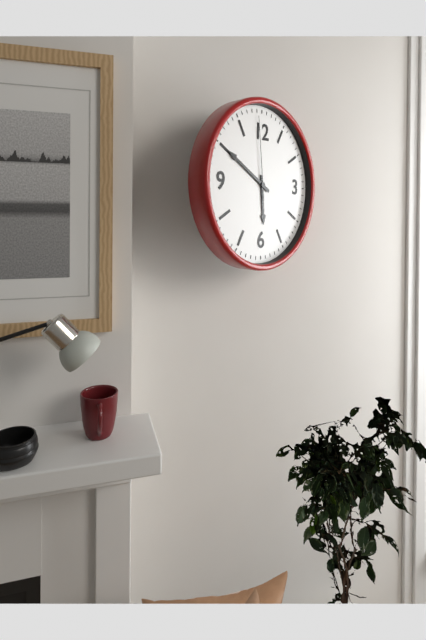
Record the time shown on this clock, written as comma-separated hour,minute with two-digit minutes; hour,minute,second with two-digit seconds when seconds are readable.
5,50,59
